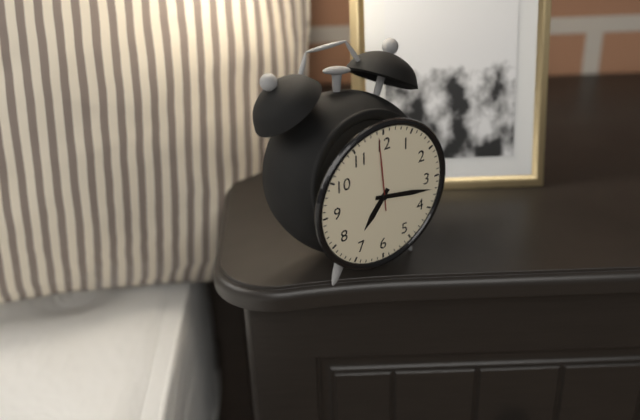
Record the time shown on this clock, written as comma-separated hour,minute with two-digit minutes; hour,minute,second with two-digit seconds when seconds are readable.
7,17,59
